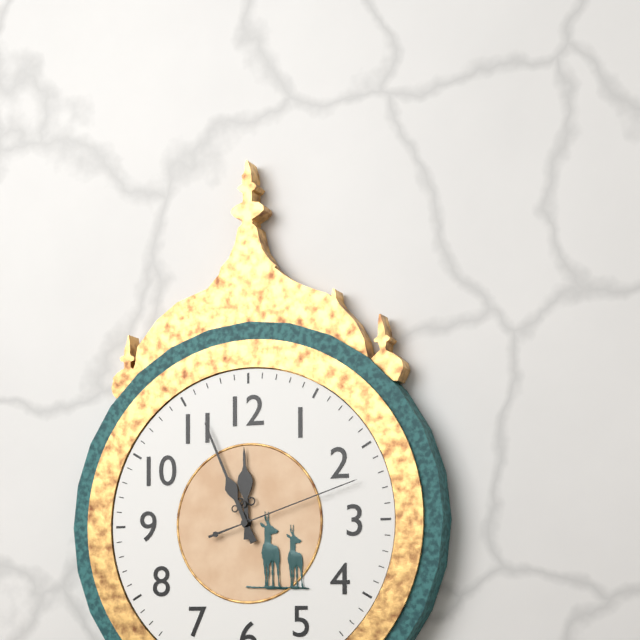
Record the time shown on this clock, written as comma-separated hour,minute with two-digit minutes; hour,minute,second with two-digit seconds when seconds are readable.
11,56,12
